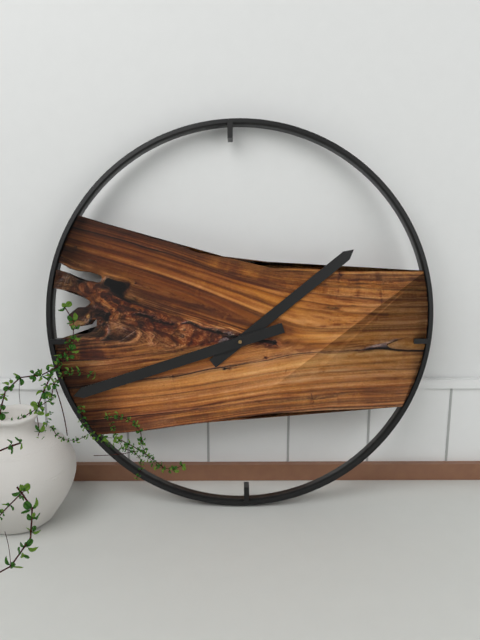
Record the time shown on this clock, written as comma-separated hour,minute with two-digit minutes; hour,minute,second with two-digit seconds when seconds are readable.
1,42
